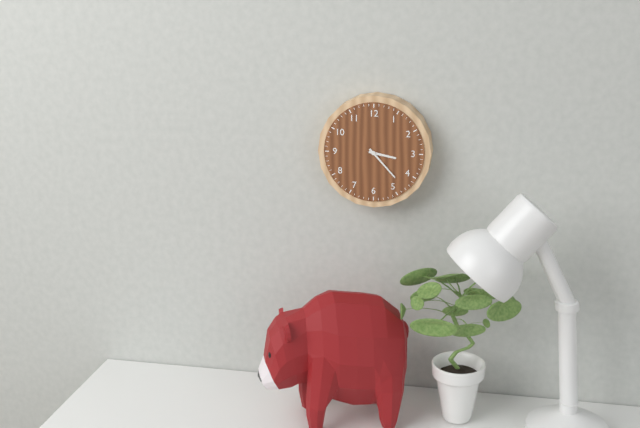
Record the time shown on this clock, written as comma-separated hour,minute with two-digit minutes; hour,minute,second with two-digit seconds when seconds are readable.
3,23
